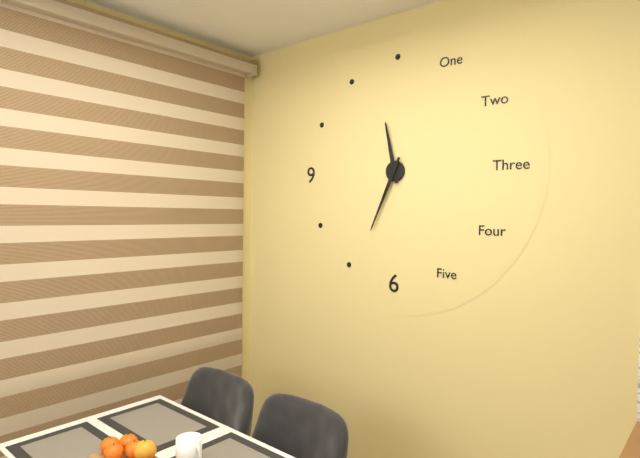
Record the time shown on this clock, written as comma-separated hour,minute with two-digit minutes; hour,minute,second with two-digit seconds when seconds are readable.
11,34
